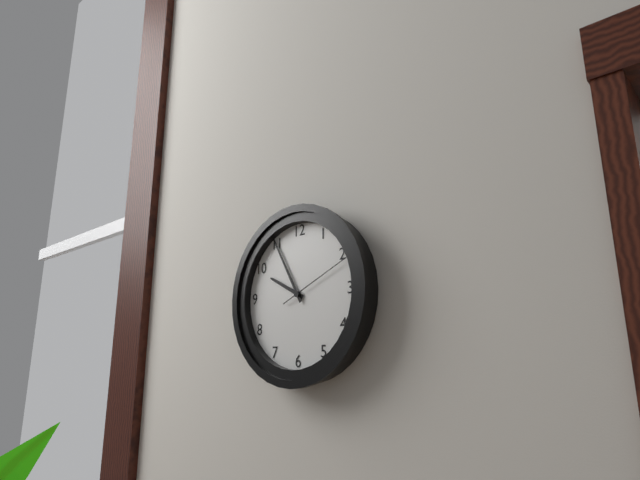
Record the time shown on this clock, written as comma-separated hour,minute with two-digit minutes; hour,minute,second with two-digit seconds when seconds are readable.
9,55,11
